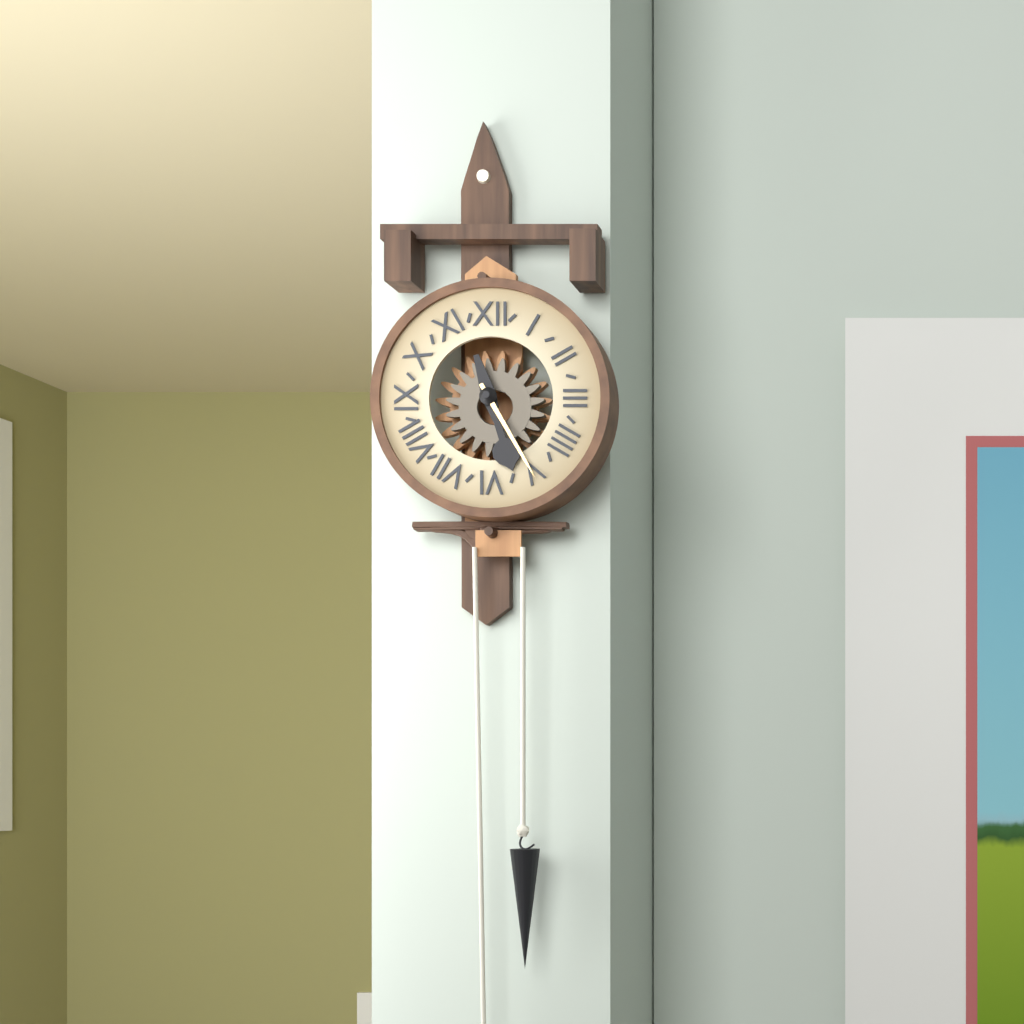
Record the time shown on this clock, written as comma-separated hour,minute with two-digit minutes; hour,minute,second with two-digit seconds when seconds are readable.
5,25
